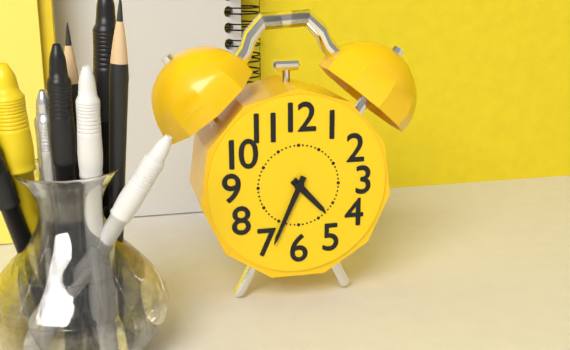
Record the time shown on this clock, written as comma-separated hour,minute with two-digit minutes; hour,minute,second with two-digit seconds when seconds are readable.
4,34
